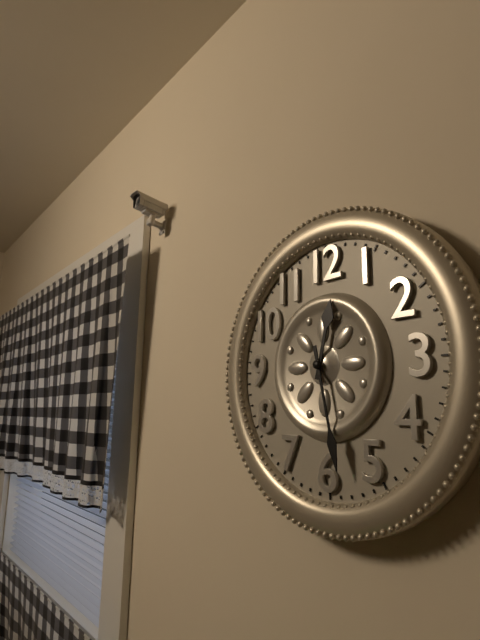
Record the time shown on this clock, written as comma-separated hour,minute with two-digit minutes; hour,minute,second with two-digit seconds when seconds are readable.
12,28
